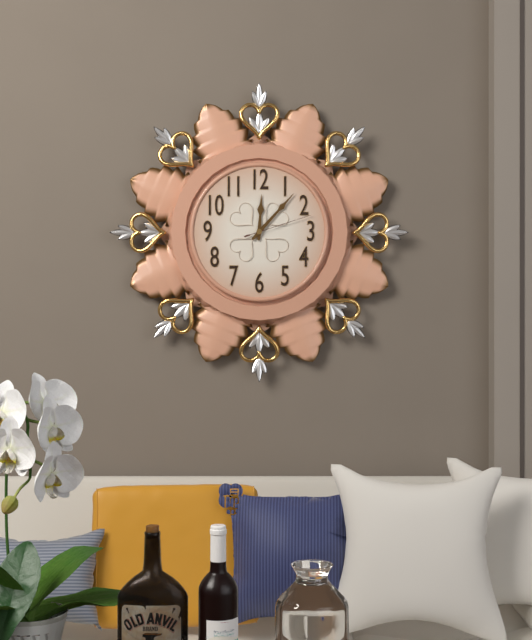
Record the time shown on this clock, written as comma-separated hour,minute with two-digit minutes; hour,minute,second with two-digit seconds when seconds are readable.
12,07,12
